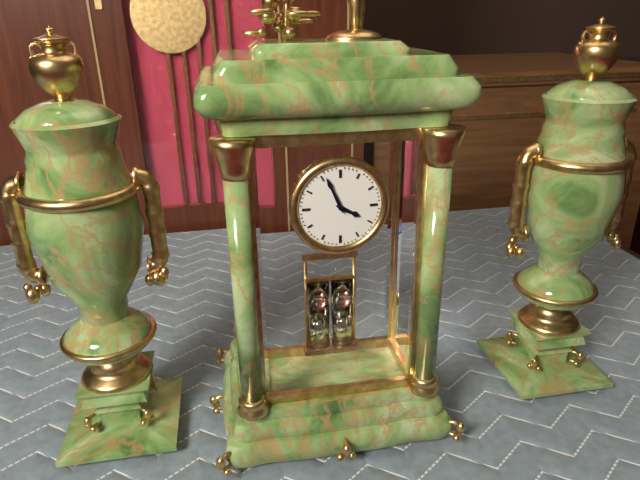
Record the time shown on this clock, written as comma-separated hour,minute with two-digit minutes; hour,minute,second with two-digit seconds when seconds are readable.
3,56
